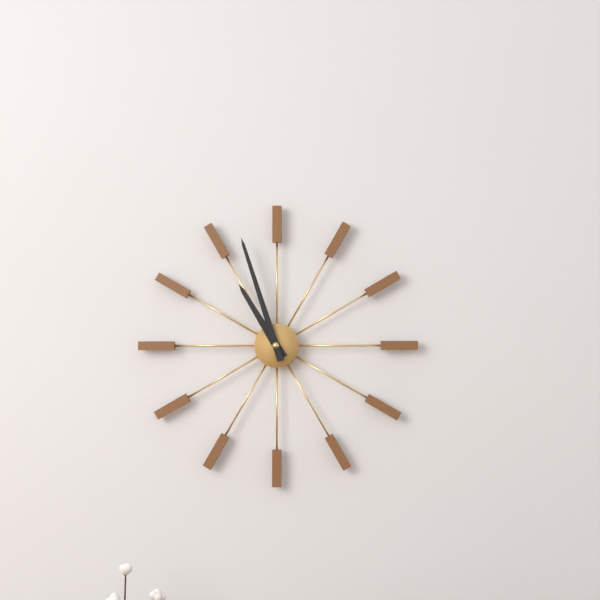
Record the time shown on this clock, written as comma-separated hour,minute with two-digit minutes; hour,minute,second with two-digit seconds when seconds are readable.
10,57
